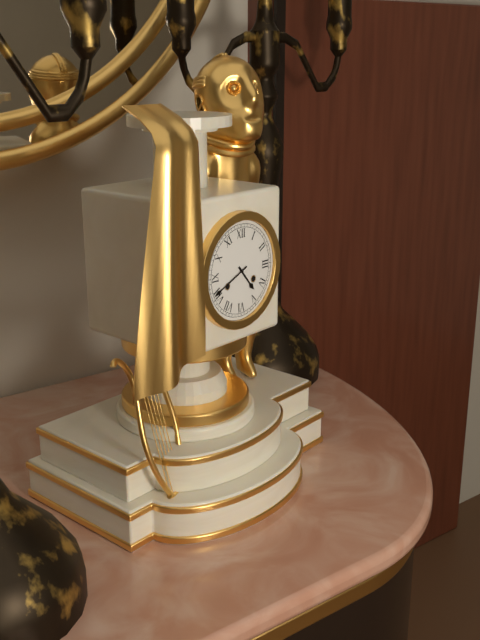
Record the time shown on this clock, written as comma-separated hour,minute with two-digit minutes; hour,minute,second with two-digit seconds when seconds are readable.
4,41
